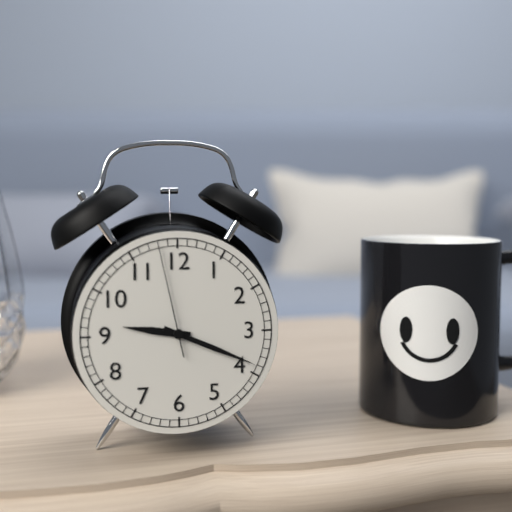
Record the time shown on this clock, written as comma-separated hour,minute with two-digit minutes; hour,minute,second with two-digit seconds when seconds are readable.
9,19,58
